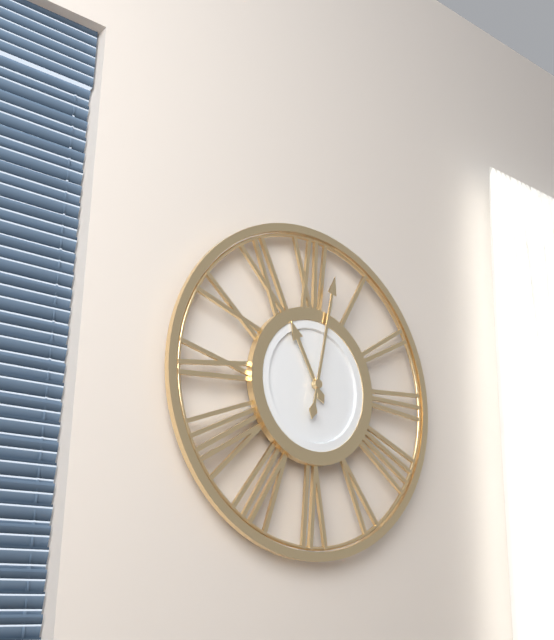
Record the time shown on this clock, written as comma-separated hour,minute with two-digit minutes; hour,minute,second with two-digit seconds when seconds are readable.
11,02
